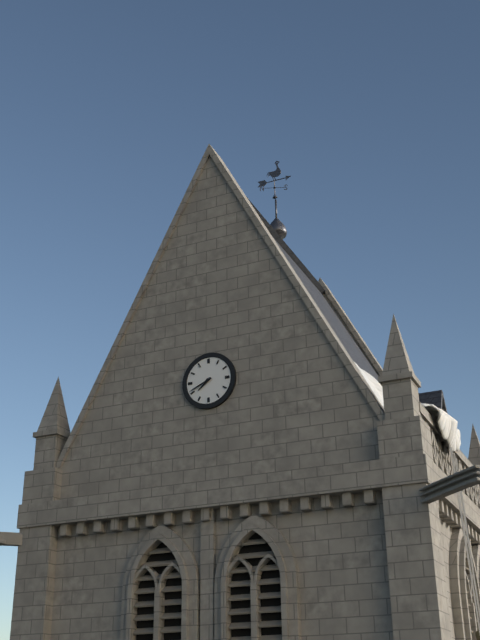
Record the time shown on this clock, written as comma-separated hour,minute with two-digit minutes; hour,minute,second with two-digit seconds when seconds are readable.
7,41
